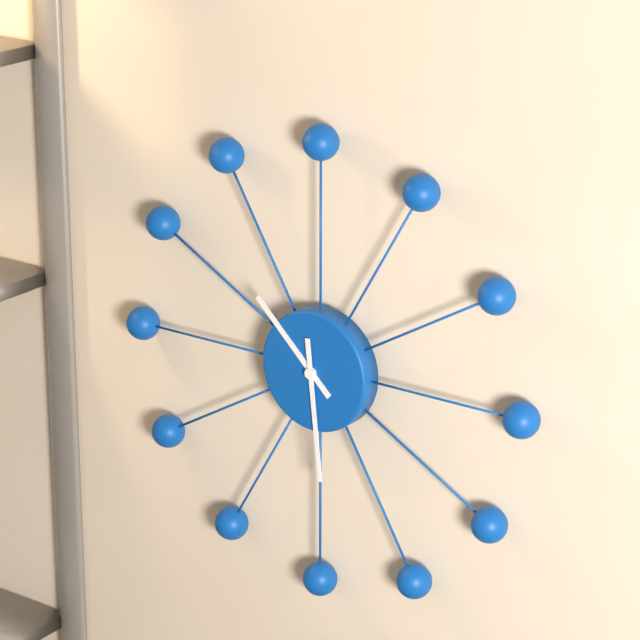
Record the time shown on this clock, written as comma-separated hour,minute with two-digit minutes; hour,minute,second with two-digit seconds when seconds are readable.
10,29
